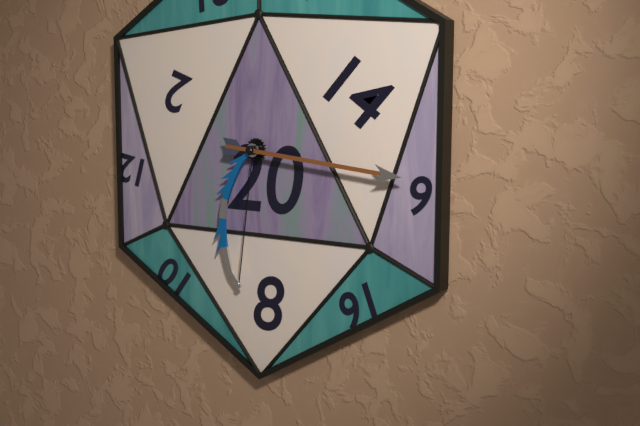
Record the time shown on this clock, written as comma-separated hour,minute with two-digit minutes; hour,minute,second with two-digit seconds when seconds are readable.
6,16
